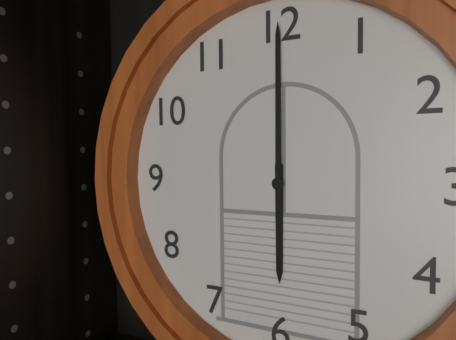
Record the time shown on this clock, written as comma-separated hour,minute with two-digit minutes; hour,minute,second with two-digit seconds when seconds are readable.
6,00
